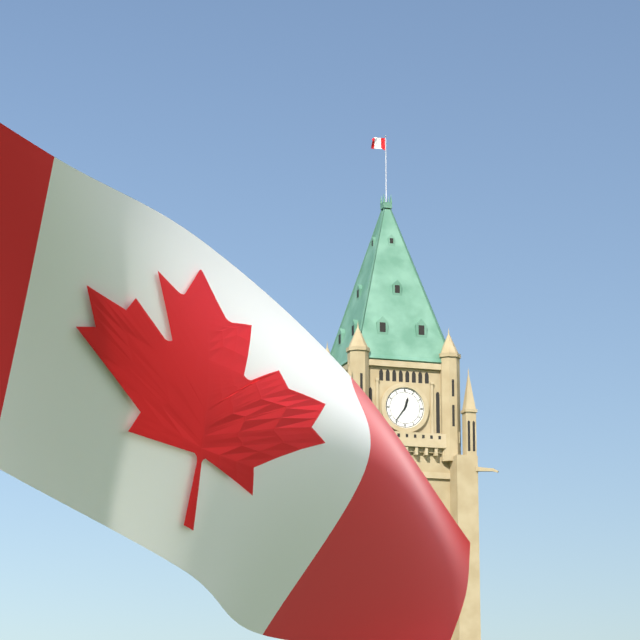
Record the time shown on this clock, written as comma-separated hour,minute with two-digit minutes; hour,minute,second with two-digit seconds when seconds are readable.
12,36
